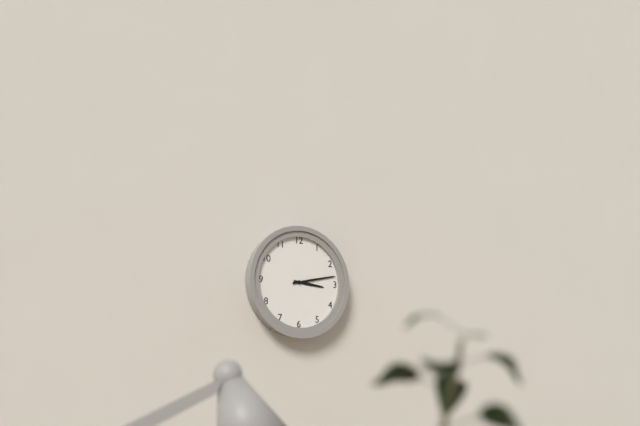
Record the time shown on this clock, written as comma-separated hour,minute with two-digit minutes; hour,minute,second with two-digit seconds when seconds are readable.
3,13
